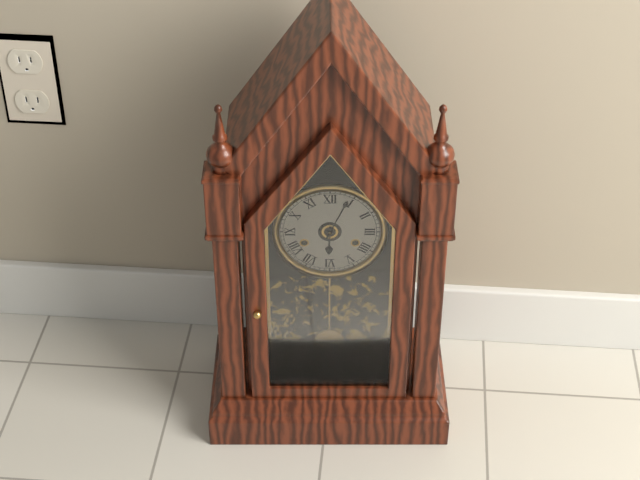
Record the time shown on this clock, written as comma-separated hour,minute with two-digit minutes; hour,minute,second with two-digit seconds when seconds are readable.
6,04
